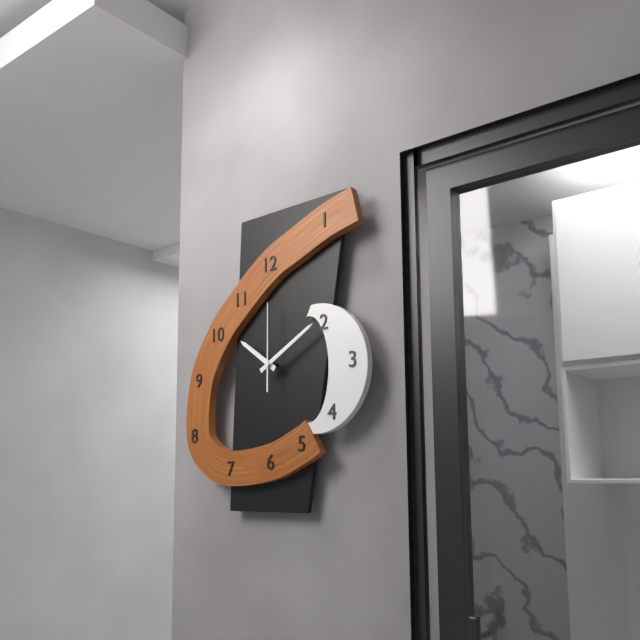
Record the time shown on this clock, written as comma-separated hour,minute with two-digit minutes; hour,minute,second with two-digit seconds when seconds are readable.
10,10,00
